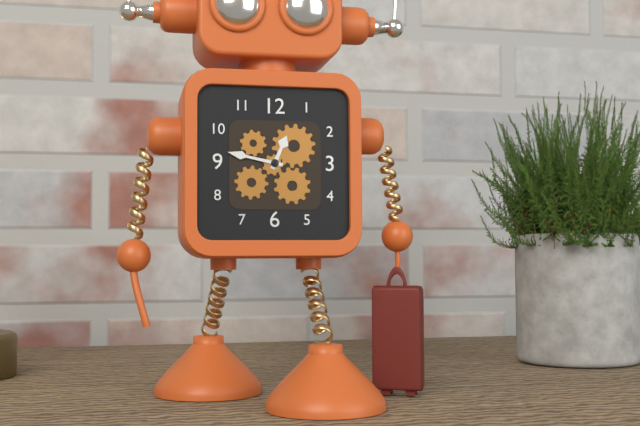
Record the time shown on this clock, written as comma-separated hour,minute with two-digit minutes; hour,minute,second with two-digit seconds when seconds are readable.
12,47
